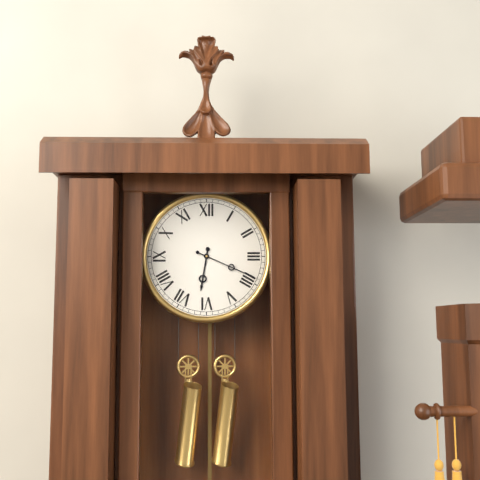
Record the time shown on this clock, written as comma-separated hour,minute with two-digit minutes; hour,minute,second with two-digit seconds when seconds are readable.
6,19
